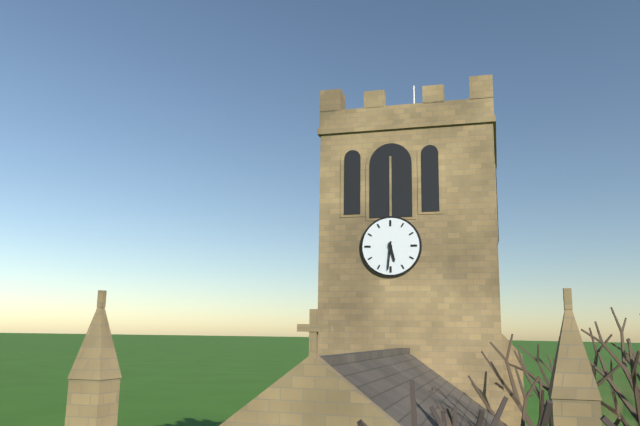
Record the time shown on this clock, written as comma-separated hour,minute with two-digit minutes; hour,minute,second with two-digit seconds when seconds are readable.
5,31
